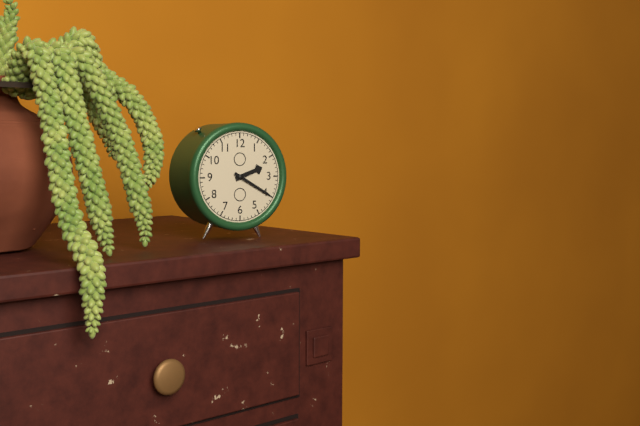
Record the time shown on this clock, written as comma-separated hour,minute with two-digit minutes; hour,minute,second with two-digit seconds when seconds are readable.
2,20
